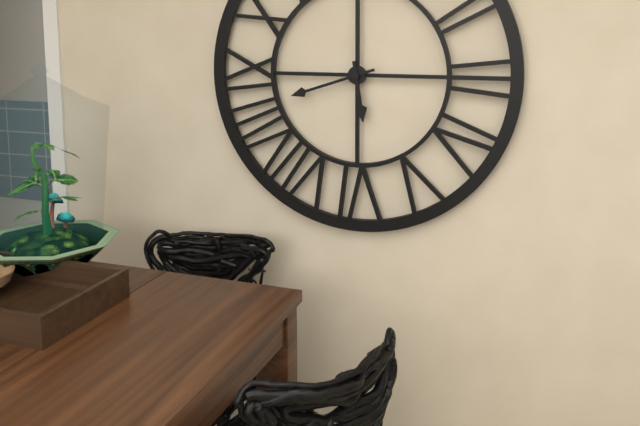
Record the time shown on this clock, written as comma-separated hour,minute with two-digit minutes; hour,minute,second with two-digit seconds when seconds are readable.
5,42
